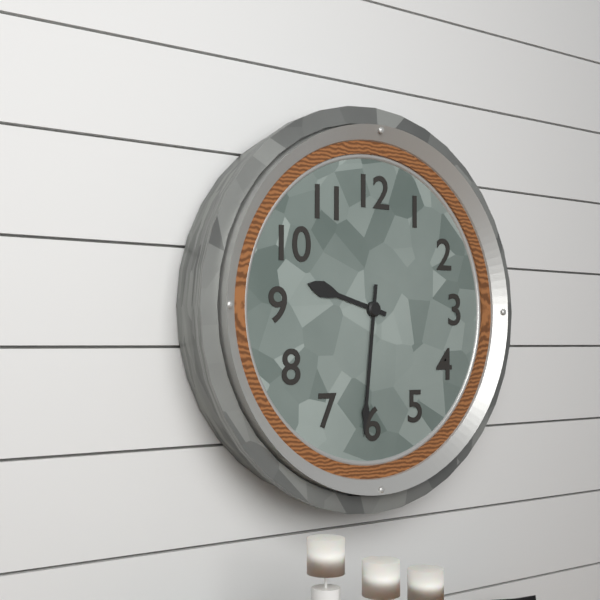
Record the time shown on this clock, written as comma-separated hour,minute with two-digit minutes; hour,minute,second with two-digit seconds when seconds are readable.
9,31
